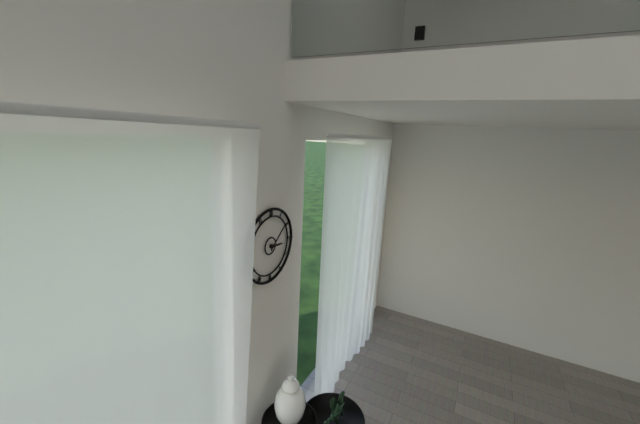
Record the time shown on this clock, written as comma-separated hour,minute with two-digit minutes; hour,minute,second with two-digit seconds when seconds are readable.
3,08
